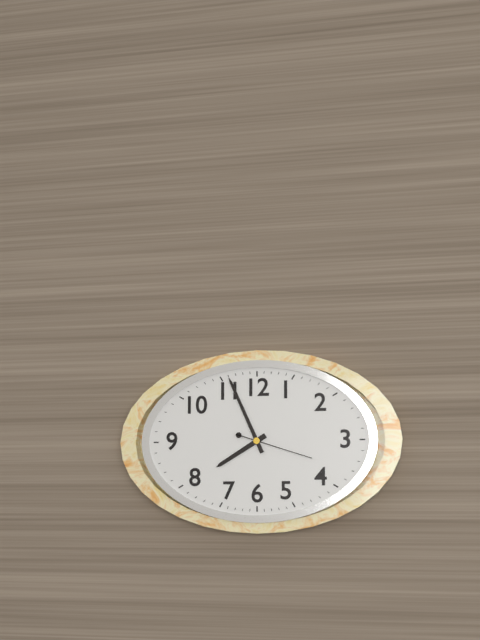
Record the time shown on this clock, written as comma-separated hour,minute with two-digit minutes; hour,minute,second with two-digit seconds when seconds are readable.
7,56,18
